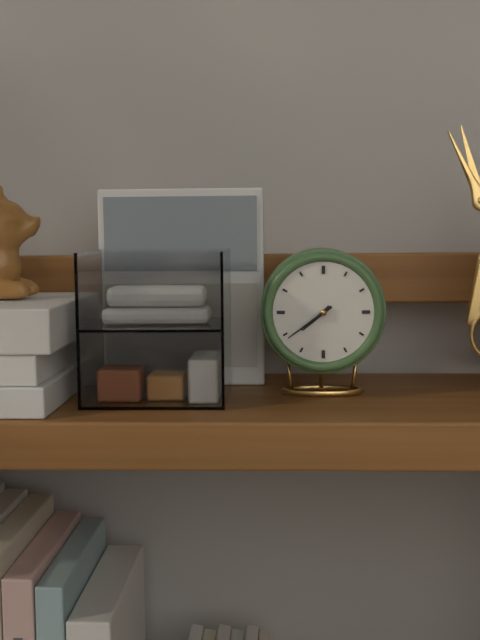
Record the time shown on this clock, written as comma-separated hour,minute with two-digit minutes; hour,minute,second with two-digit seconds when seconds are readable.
7,39
